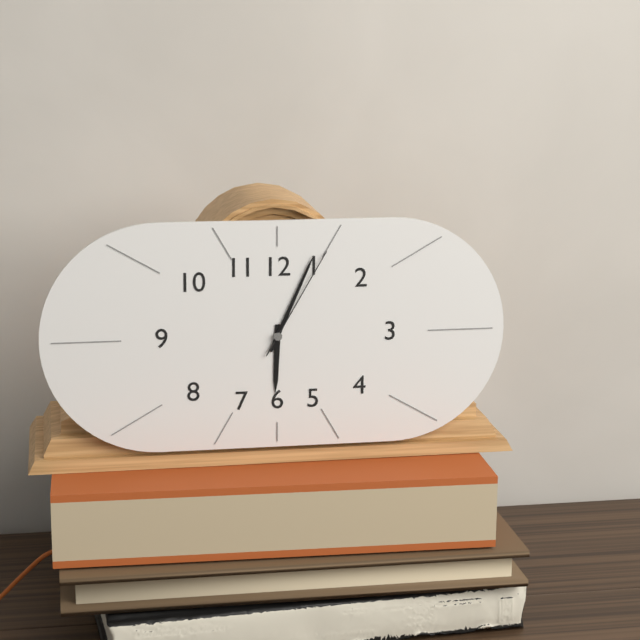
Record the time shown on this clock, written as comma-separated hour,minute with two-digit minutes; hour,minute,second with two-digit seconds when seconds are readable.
6,04,05
